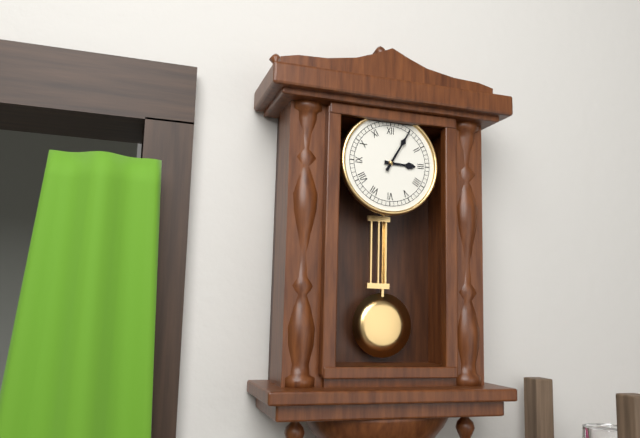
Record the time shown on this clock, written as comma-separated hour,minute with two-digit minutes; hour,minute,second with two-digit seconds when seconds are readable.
3,05
